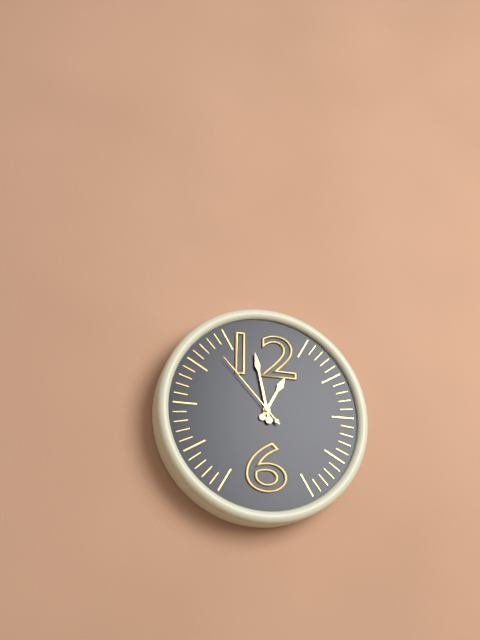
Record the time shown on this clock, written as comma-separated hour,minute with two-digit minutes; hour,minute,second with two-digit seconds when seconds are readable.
12,58,53
